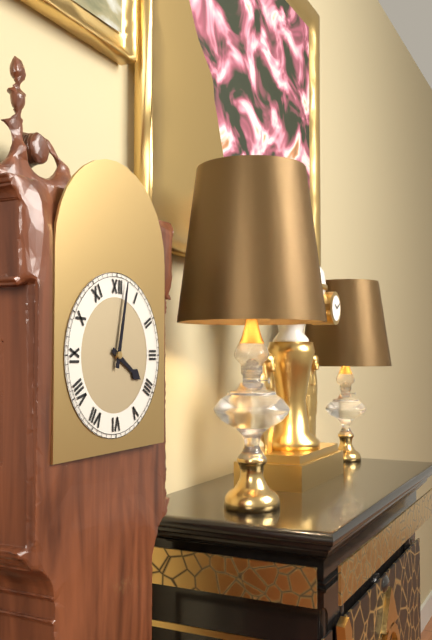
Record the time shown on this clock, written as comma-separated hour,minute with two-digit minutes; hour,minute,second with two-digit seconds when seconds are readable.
4,02
